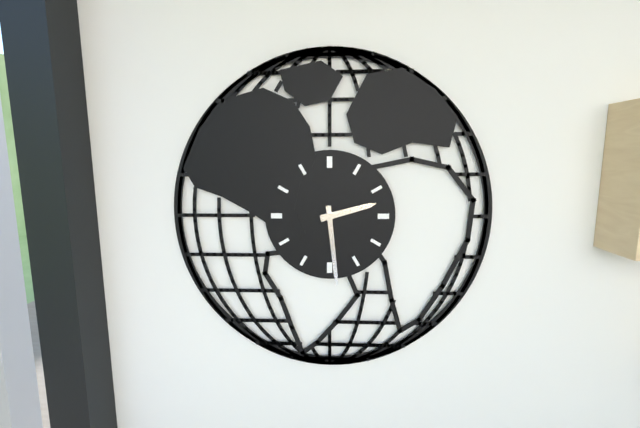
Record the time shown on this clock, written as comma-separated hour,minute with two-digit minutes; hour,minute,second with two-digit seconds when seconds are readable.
2,29
